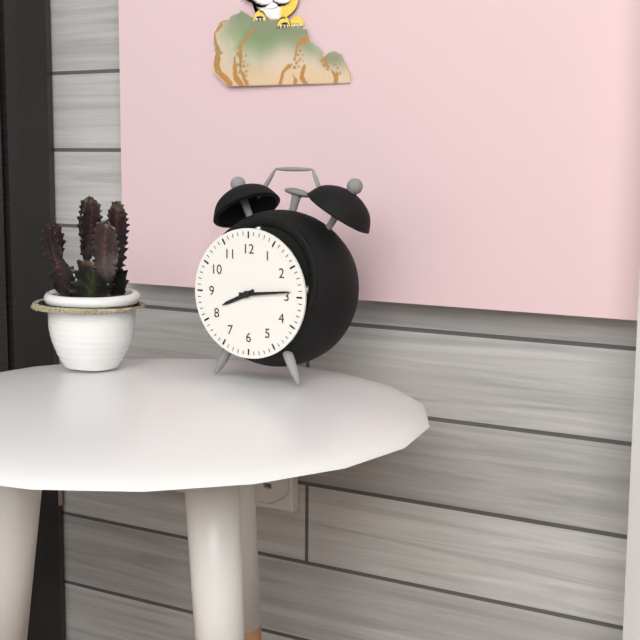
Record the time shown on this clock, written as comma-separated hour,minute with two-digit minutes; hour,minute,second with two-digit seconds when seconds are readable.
8,14
